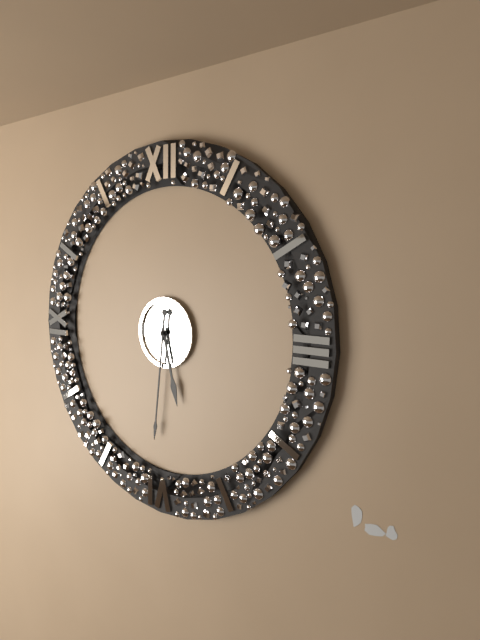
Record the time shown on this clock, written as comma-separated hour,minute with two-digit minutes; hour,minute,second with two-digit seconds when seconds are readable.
5,31
